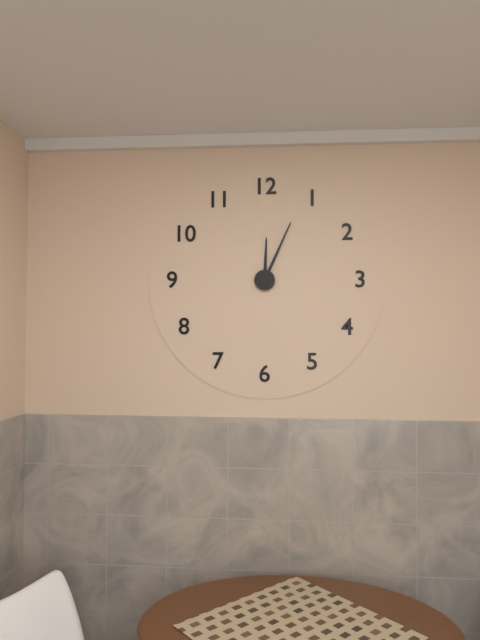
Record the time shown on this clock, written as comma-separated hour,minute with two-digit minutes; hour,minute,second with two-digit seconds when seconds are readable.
12,04
